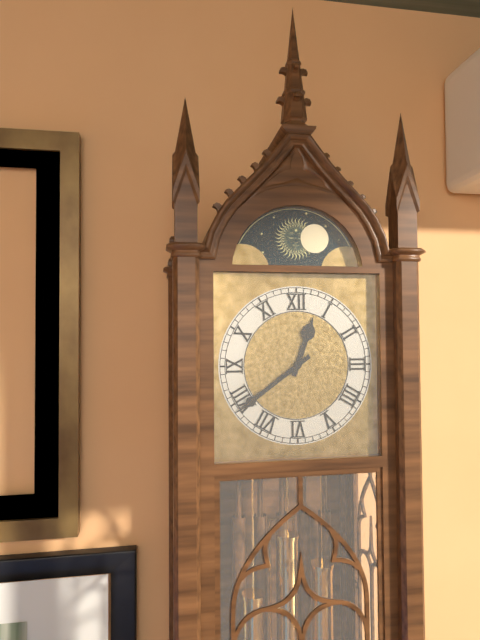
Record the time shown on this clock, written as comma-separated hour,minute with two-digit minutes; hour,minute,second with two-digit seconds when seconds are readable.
12,39
